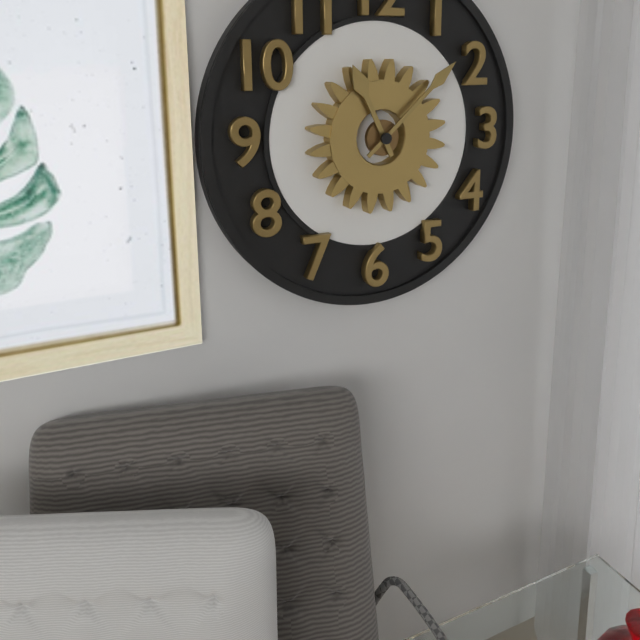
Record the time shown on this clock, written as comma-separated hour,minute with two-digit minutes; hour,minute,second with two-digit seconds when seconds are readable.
11,08
